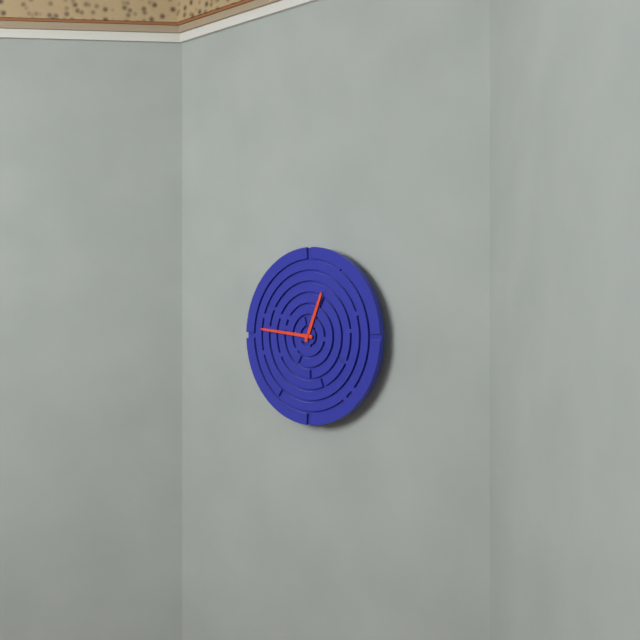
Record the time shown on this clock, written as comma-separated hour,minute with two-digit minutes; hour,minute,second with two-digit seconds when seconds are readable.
12,46
